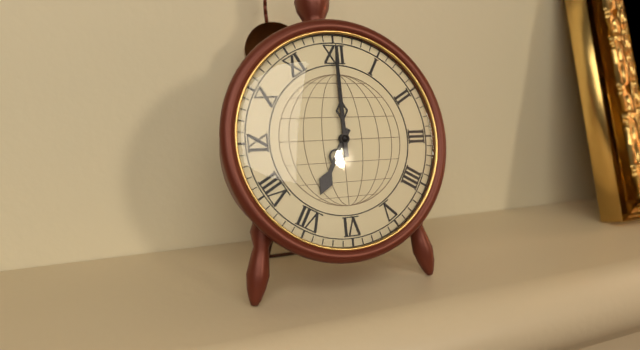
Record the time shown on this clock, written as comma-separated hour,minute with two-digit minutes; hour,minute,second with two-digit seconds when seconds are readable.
7,00
